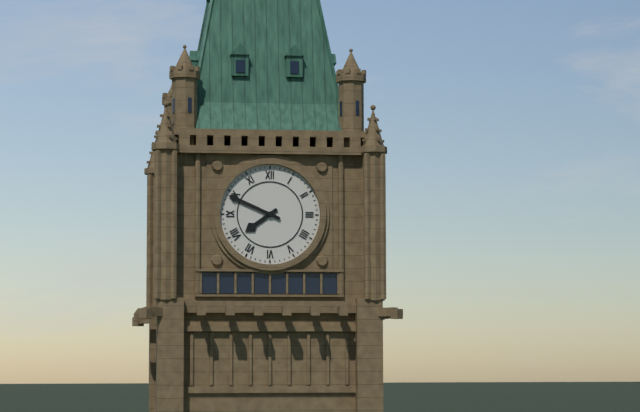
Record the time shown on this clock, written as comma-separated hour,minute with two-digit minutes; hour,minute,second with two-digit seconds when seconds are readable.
7,49
